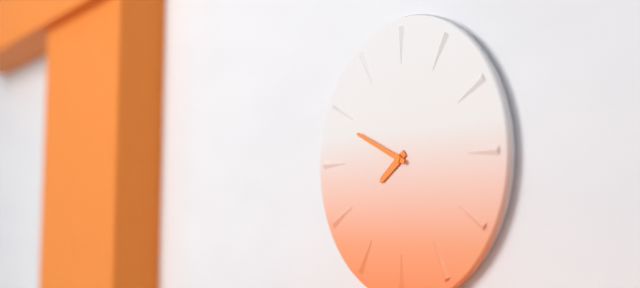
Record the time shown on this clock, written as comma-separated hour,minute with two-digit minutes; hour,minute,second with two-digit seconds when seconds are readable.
7,49
